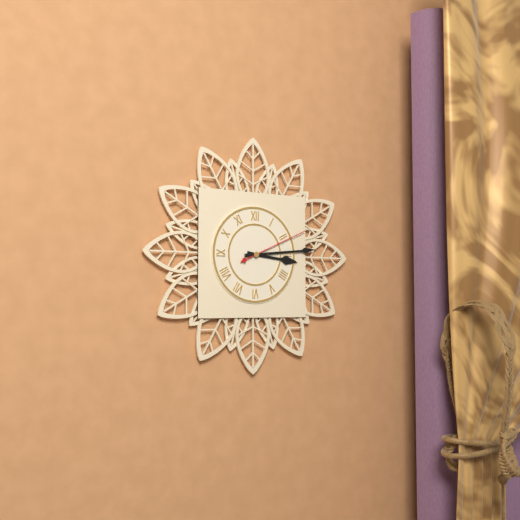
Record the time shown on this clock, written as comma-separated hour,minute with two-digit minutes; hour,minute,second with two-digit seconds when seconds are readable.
3,14,11
